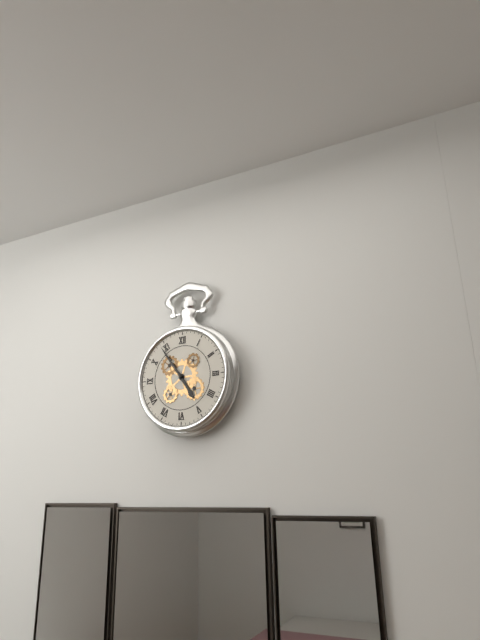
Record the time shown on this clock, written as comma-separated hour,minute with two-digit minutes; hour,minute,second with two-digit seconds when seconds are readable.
4,54
